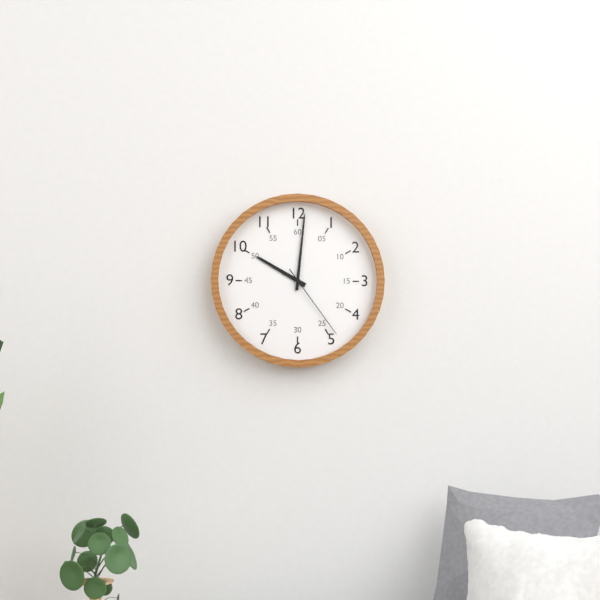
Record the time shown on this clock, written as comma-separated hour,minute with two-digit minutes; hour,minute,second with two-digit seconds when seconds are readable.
10,01,24
